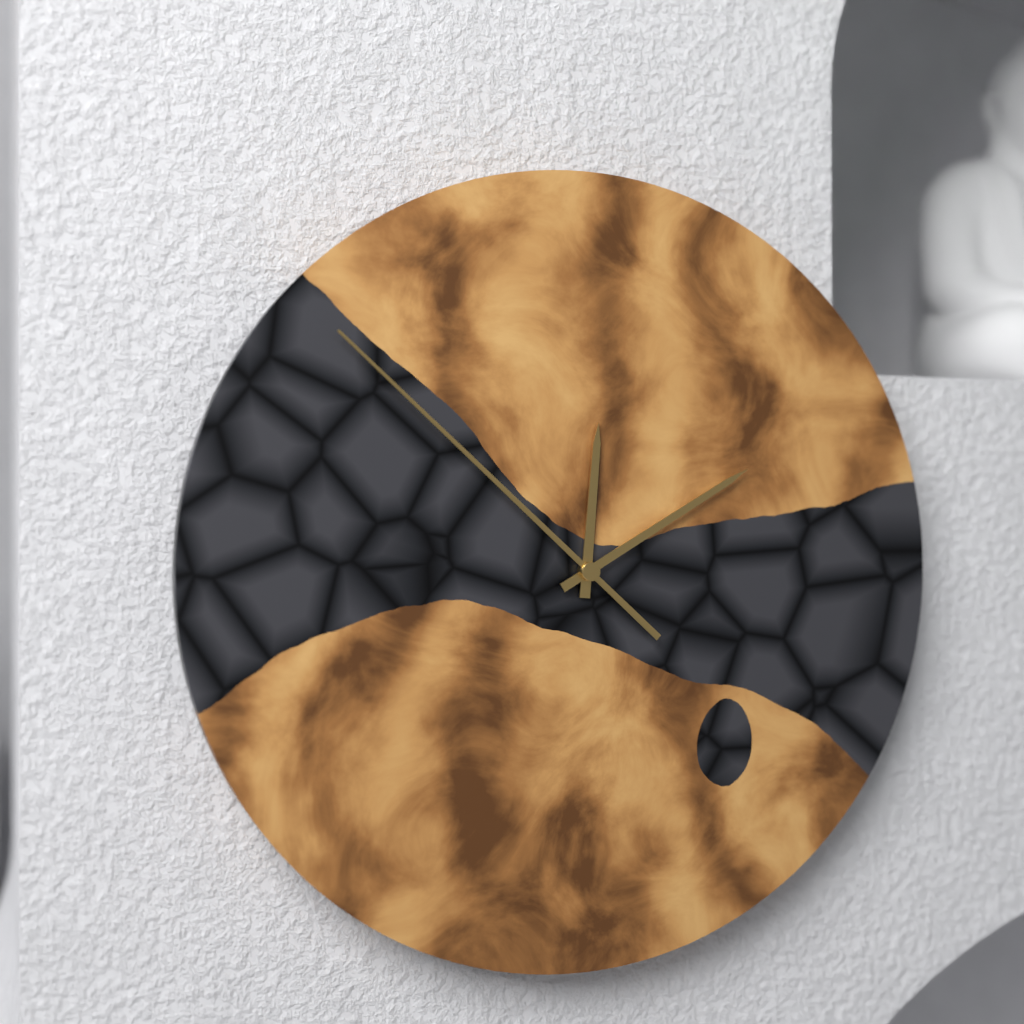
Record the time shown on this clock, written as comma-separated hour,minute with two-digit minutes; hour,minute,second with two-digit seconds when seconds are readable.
12,10,52
